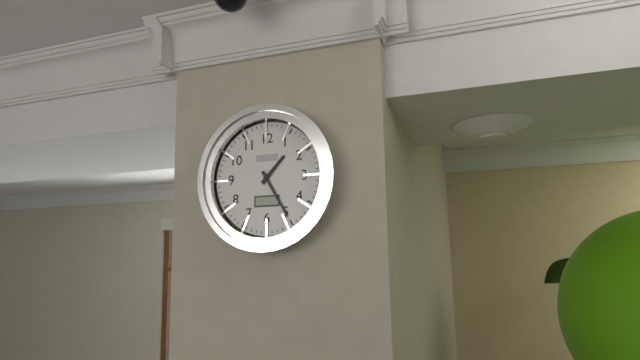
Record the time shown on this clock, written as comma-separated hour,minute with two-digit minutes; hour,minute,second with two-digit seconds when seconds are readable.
1,25
